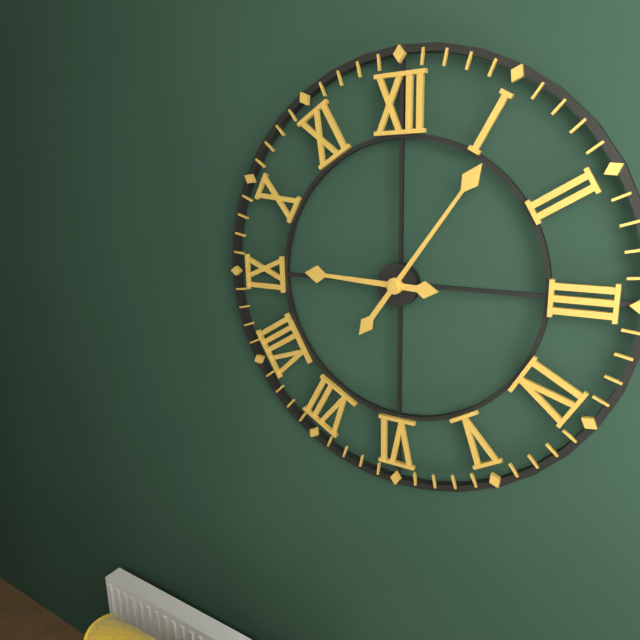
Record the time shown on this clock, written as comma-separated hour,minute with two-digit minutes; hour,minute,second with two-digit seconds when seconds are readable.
9,06
